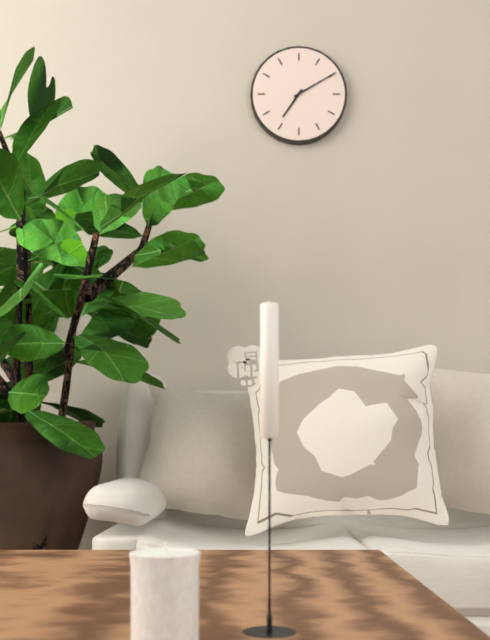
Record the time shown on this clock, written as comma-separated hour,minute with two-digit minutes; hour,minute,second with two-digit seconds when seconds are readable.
7,10
